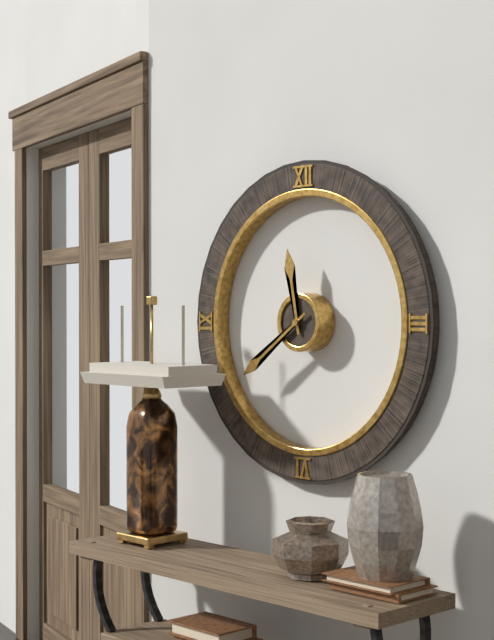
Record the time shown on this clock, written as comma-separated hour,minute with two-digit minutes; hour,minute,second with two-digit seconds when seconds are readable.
11,39
